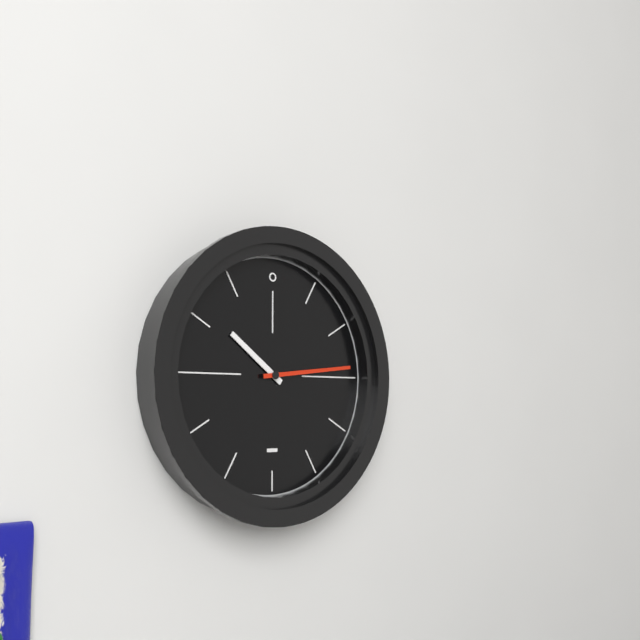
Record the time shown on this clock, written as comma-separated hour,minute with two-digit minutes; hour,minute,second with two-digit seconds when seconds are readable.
10,14
